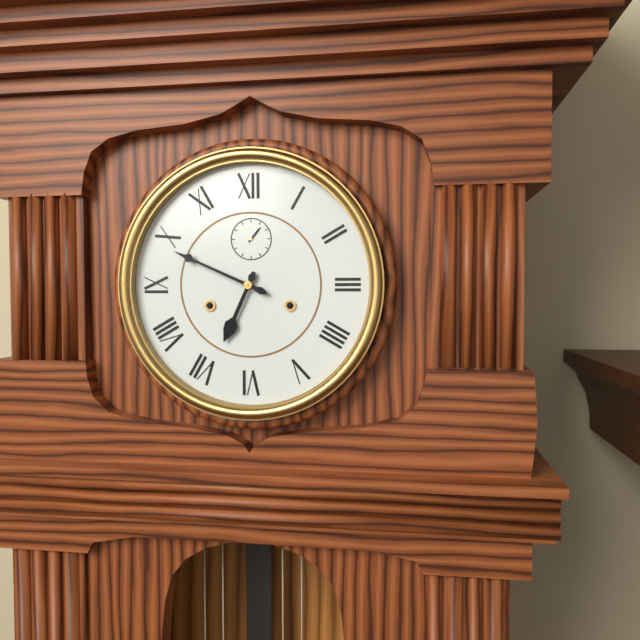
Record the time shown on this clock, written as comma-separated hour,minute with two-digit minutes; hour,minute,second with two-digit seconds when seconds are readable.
6,49
